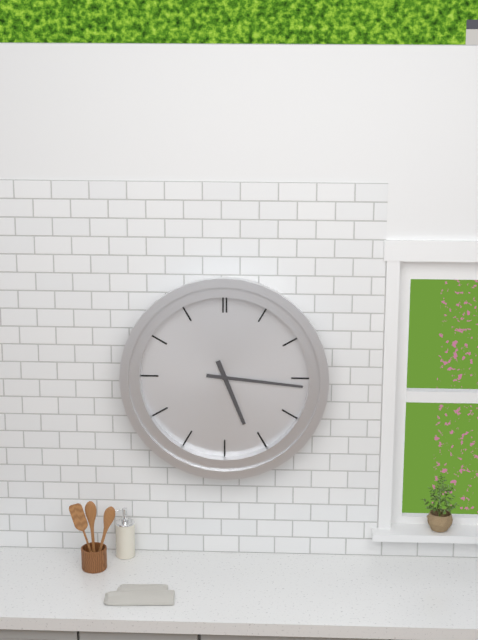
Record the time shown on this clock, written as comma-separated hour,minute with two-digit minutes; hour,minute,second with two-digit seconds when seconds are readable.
5,16
